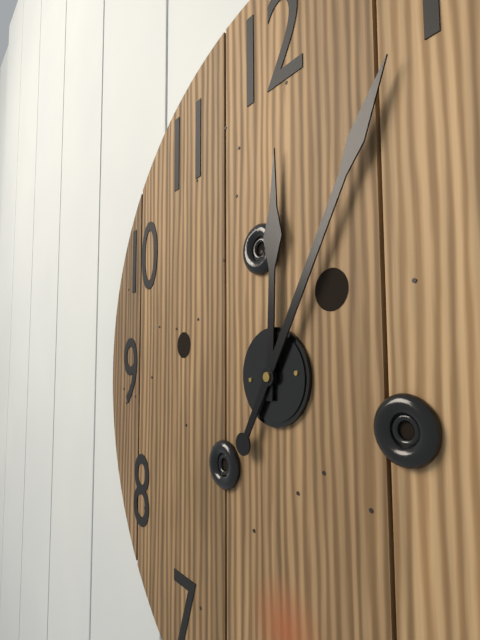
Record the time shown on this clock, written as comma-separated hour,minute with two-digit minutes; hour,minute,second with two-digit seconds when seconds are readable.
12,05
